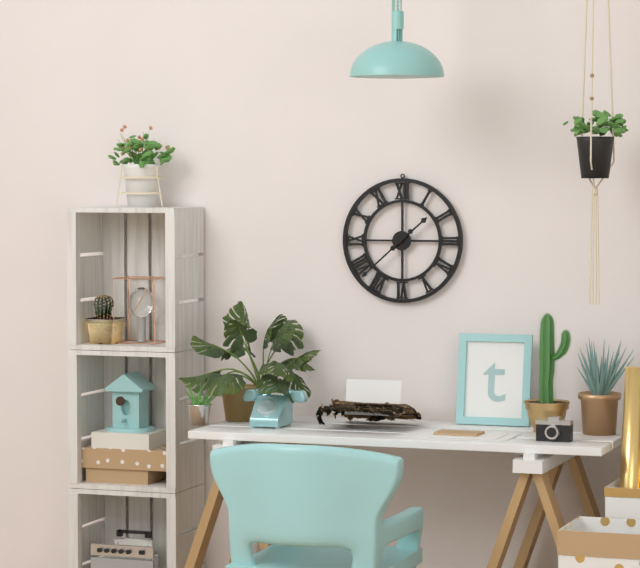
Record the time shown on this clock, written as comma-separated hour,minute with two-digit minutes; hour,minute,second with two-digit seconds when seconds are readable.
1,38
